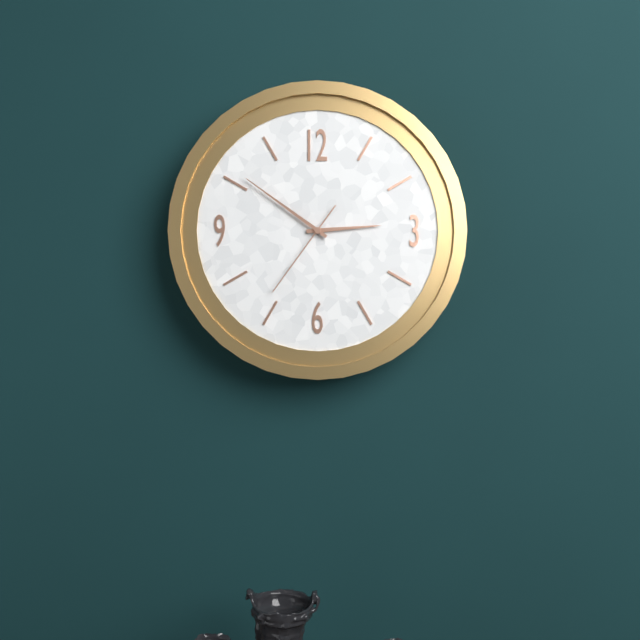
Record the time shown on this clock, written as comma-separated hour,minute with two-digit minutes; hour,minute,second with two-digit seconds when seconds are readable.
2,51,36
